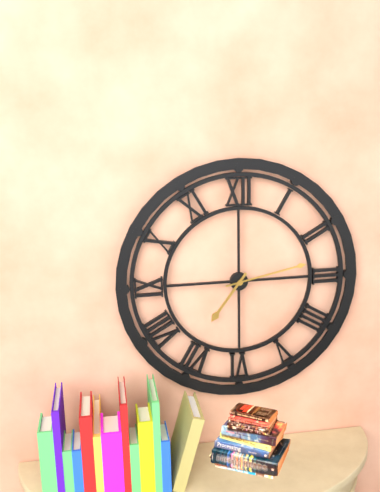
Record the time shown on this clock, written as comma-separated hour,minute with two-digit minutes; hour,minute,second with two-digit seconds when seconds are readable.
7,13
